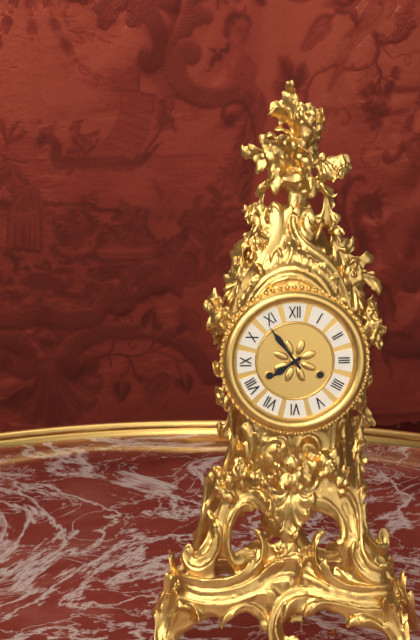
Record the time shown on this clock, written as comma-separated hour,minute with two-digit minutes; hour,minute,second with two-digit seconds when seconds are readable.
7,54
